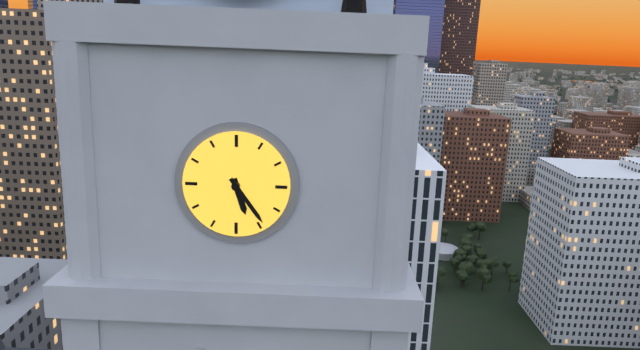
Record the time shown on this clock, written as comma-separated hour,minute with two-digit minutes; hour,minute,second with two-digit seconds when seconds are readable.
5,24
